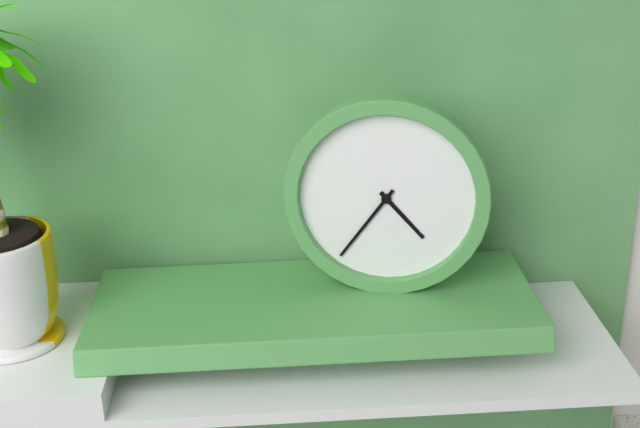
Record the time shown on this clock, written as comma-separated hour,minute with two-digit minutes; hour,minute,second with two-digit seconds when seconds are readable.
4,36
